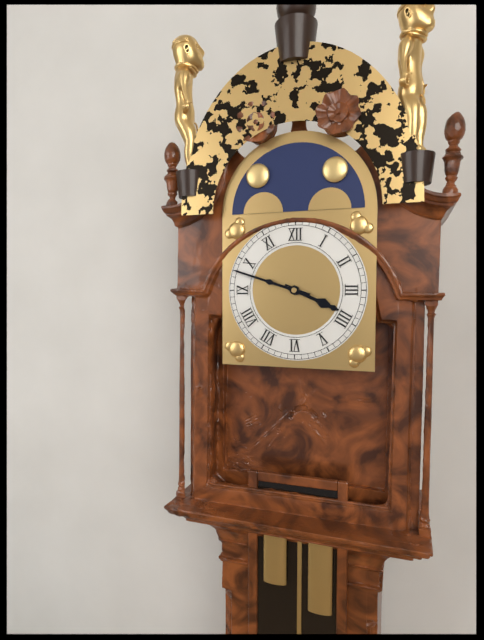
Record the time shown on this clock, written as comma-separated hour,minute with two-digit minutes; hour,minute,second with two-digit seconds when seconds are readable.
3,48
